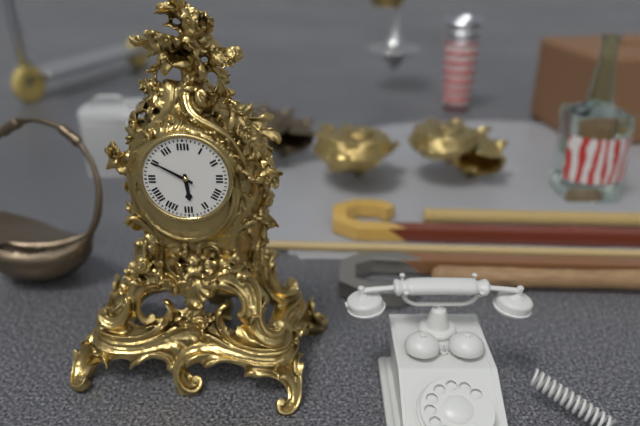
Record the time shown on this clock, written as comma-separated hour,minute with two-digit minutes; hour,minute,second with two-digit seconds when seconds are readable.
5,50
